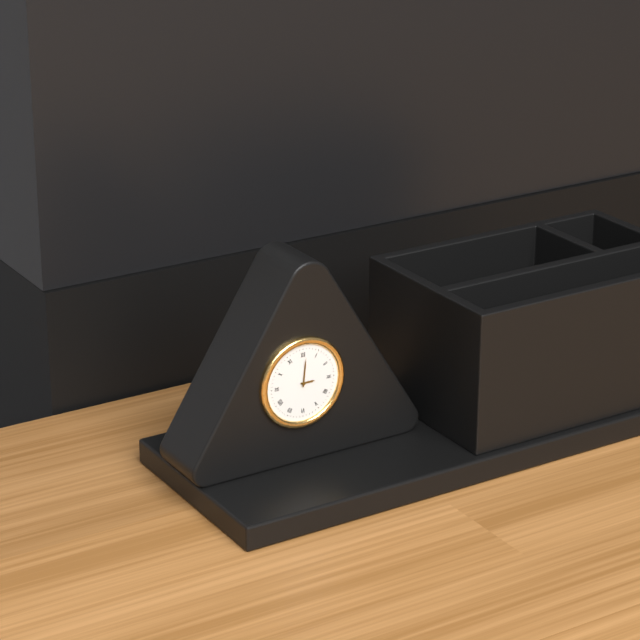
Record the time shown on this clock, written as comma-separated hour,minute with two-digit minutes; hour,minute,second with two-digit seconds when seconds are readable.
3,01
